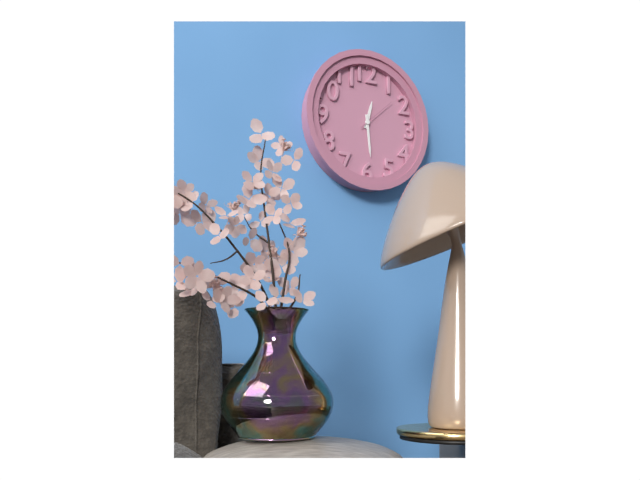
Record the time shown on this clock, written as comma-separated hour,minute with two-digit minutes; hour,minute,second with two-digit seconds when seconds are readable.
12,29
